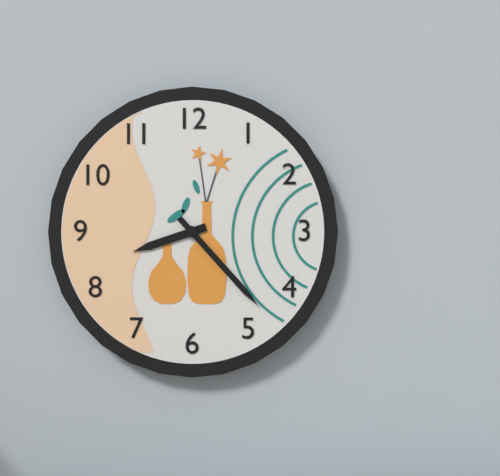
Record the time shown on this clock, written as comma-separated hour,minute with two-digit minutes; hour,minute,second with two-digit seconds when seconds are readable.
8,23
